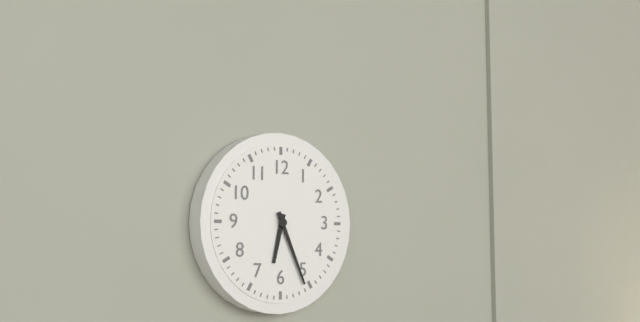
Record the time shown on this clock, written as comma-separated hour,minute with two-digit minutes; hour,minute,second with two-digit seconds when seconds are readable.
6,26
